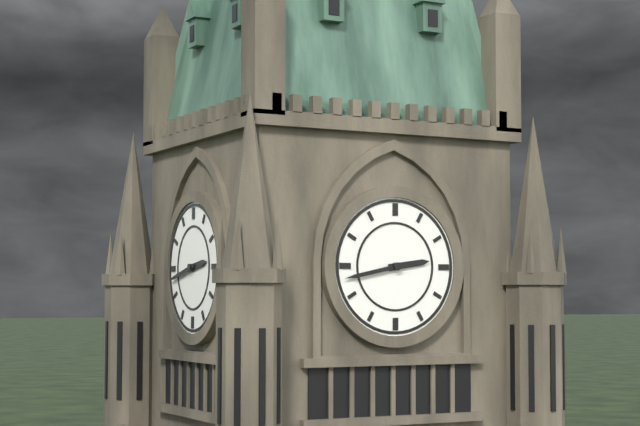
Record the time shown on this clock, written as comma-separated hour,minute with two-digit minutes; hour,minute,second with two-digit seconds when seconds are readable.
2,43
